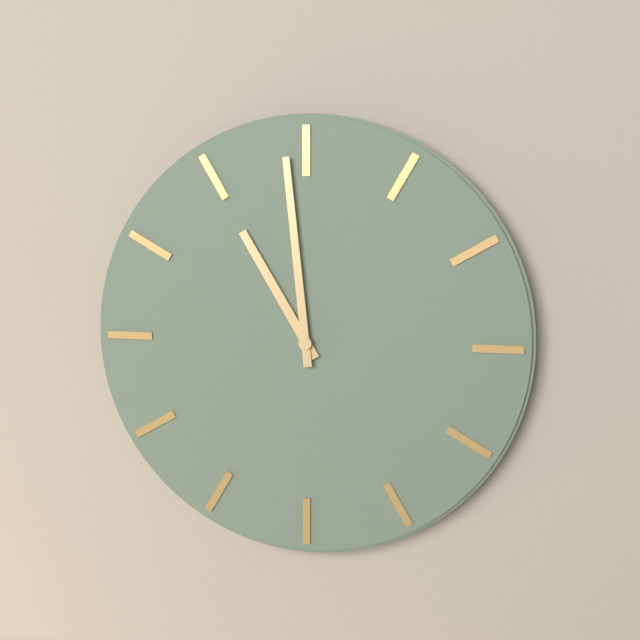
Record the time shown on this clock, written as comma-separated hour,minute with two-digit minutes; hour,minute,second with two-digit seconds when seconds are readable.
10,59
